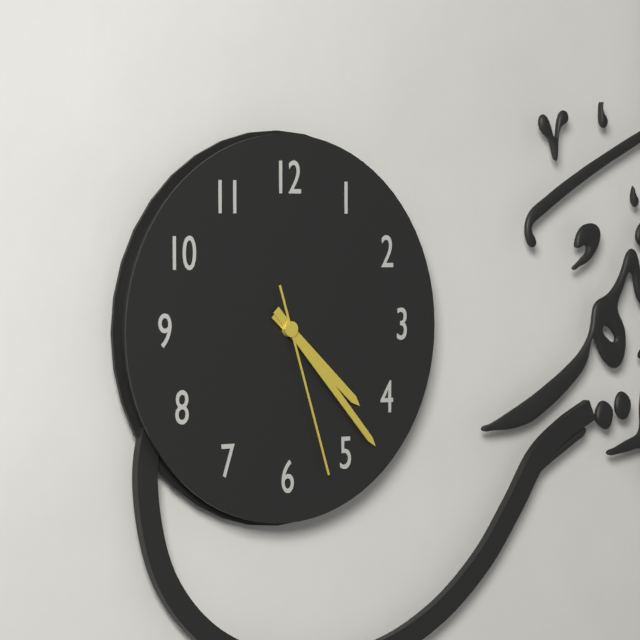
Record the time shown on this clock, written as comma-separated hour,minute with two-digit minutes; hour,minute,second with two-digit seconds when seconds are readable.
4,23,27
